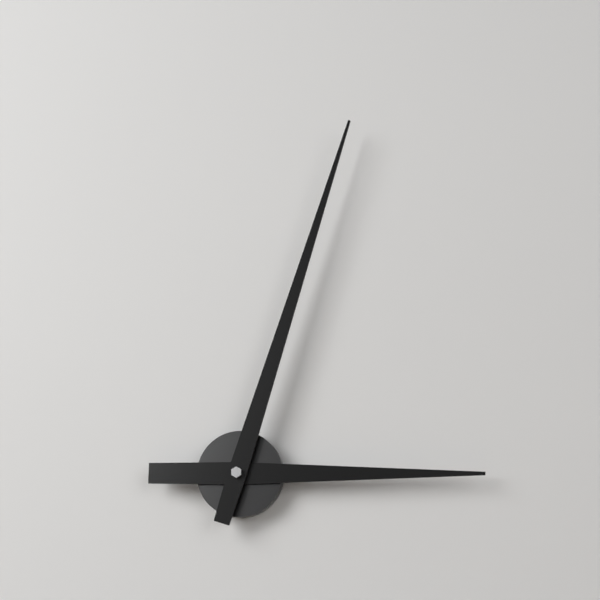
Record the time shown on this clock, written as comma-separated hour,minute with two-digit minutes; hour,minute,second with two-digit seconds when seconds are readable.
3,03
